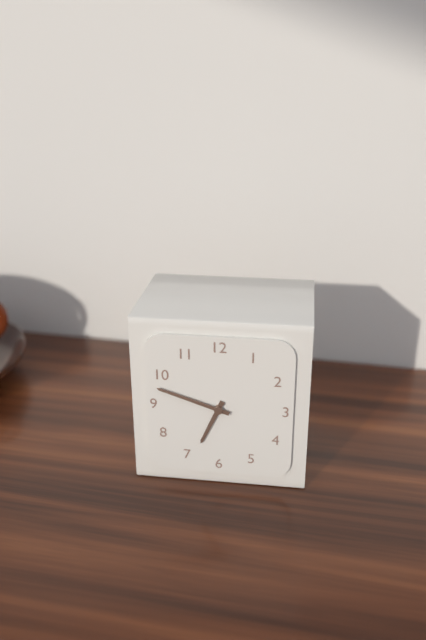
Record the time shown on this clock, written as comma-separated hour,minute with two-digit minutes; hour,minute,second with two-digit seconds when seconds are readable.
6,48
